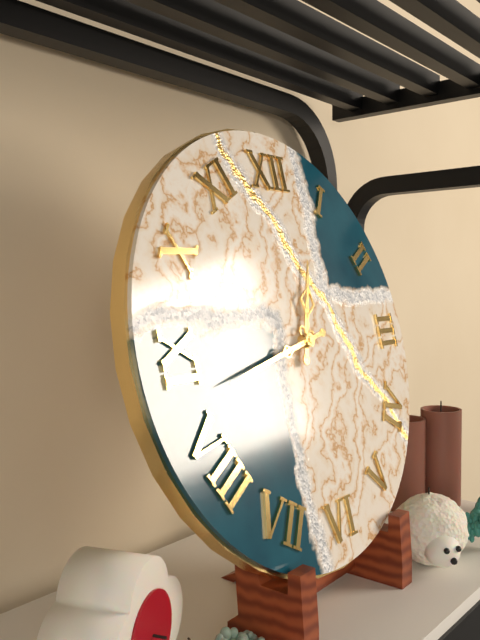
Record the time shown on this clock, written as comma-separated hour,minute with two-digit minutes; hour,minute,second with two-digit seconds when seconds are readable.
12,43
